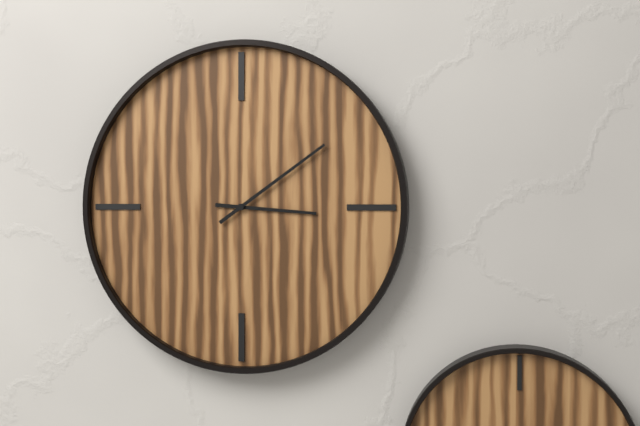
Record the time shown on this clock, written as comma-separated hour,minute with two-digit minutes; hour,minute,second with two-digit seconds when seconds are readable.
3,09
